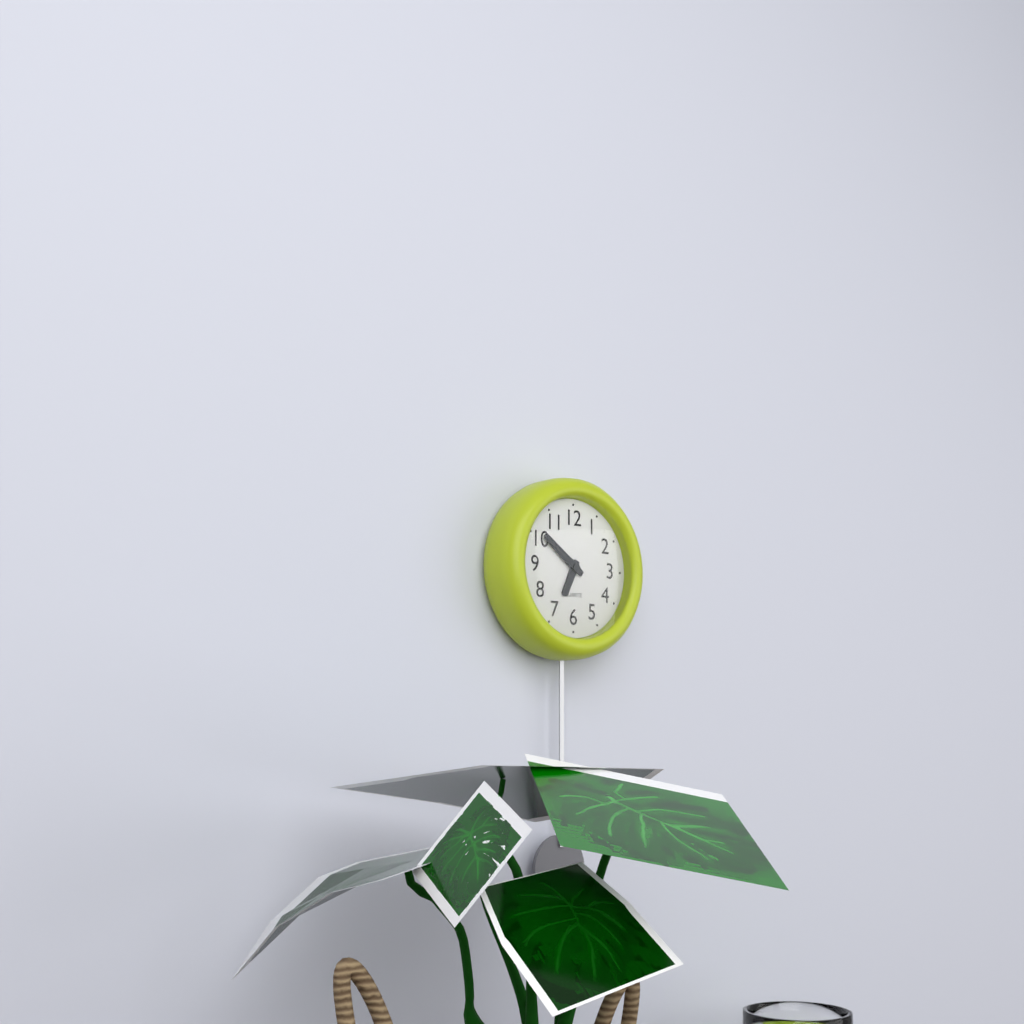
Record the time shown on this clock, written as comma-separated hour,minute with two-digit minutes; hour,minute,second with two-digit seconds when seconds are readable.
6,51
